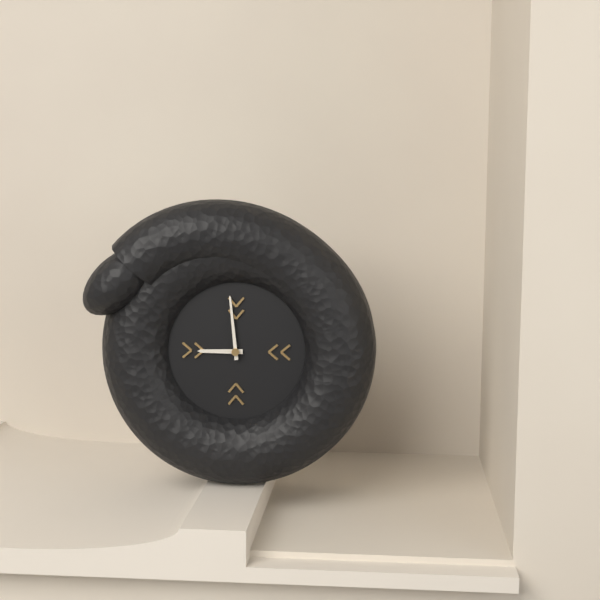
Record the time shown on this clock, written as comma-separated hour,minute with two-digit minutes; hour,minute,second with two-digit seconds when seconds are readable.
8,59
